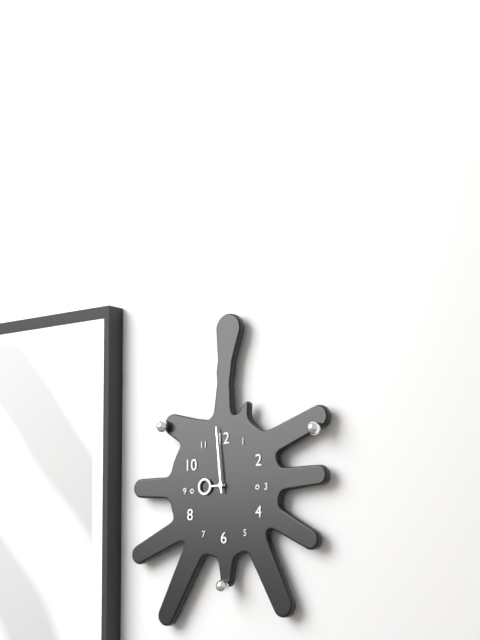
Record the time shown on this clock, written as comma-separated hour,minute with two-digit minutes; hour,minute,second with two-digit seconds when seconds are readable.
8,59
